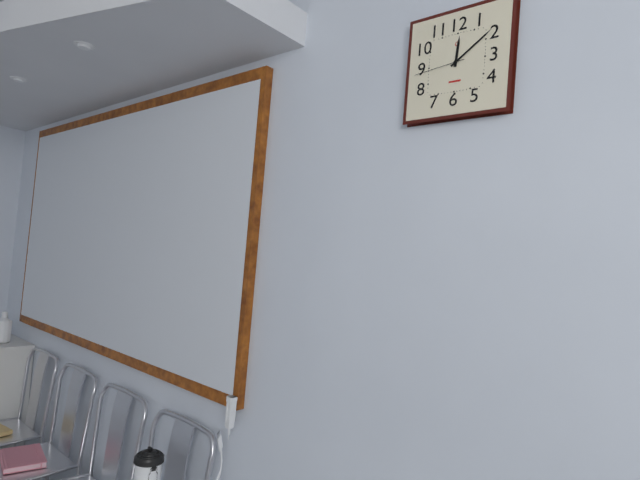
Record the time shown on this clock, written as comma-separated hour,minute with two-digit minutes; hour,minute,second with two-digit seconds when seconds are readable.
12,09,44
